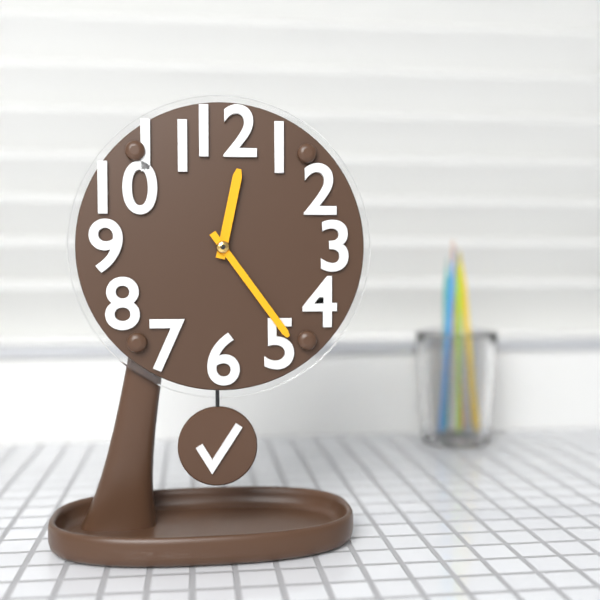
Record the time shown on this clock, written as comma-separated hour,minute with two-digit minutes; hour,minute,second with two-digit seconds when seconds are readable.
12,24
